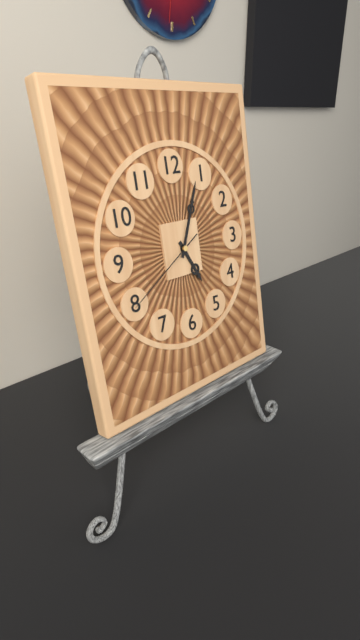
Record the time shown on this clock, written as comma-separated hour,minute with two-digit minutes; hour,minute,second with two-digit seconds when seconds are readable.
5,04,40
